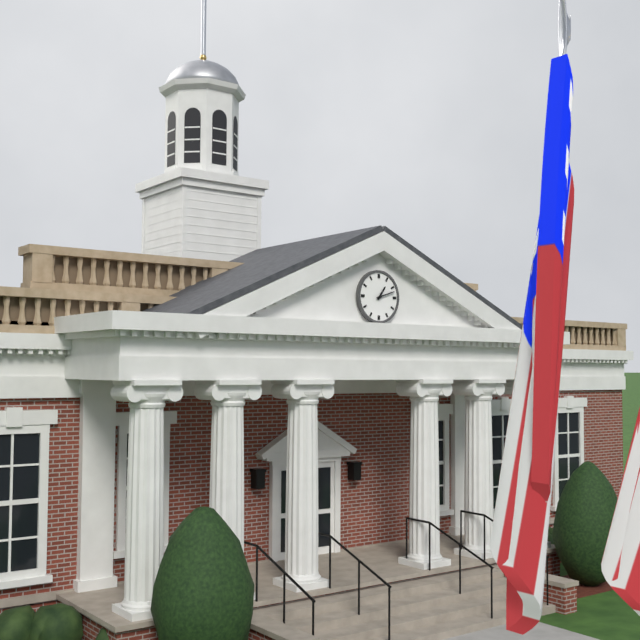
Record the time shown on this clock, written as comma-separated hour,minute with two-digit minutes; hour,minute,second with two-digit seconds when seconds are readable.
1,12
